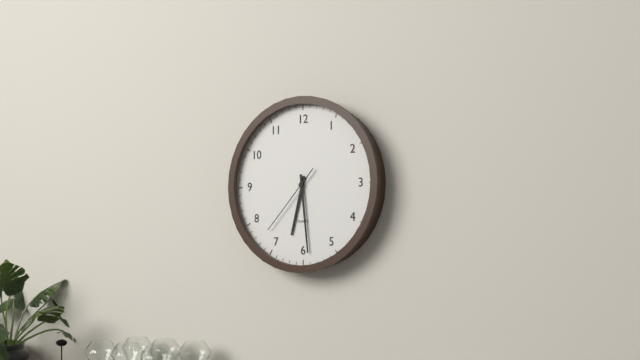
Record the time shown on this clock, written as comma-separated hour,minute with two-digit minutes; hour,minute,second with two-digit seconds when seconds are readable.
6,29,37
